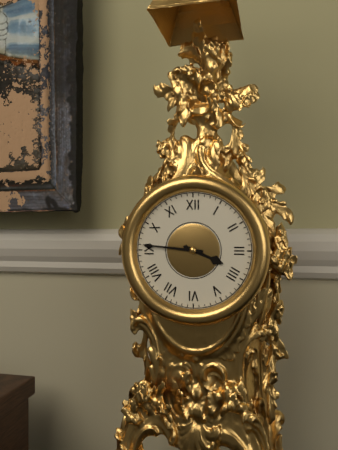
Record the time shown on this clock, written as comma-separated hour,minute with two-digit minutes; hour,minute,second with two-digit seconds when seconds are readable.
3,46
